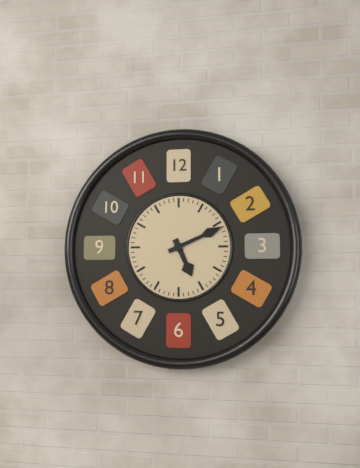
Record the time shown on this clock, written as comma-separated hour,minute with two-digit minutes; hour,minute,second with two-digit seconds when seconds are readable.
5,11
